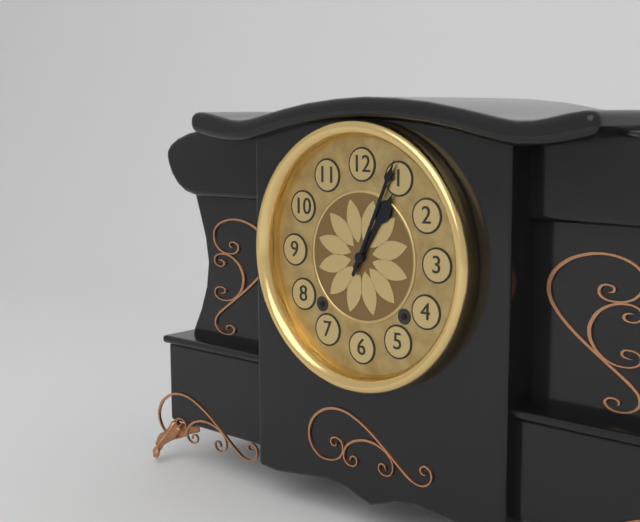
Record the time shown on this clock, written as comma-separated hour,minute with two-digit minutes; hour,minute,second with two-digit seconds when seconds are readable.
1,04
